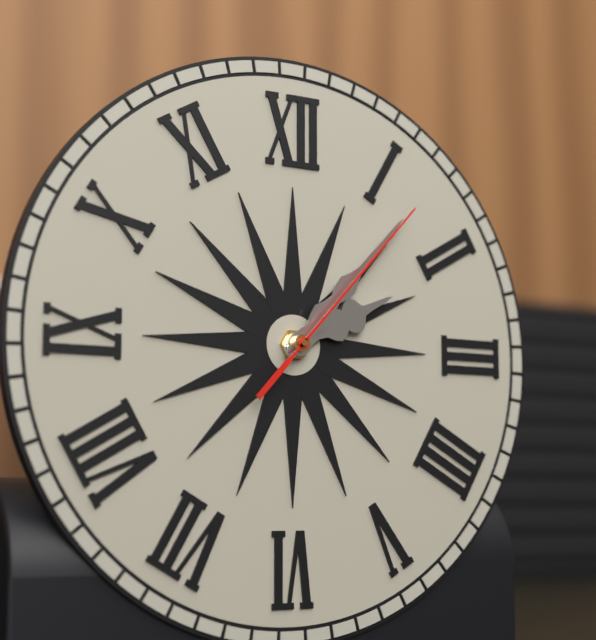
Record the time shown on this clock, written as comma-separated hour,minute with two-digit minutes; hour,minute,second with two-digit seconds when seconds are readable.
2,07,07
